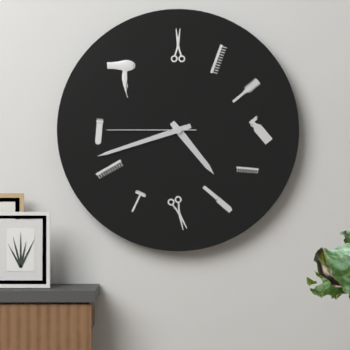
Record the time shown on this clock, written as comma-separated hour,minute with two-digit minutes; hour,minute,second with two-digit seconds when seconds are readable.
4,42,45
